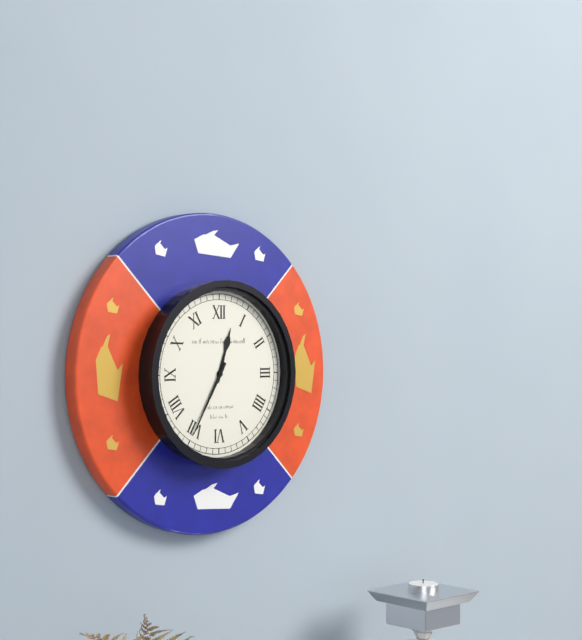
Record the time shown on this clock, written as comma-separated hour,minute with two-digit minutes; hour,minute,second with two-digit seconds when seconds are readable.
12,35
